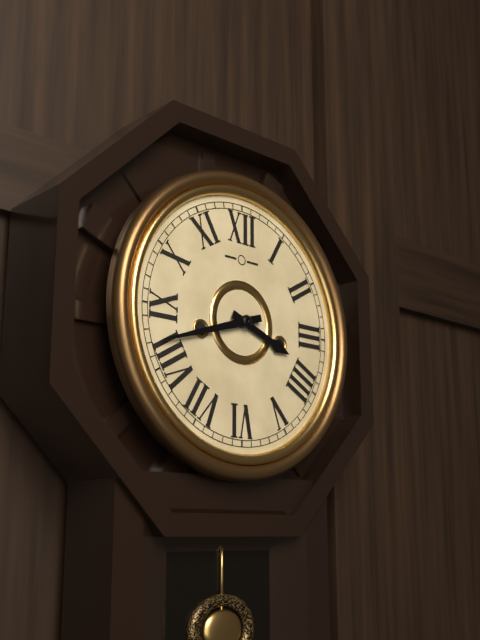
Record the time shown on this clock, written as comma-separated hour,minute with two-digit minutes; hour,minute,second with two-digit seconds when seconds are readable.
3,42
